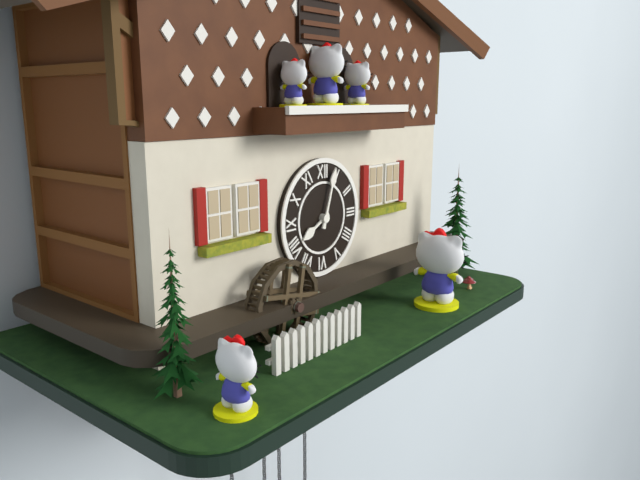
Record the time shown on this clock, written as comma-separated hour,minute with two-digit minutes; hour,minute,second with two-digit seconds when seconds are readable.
8,03
